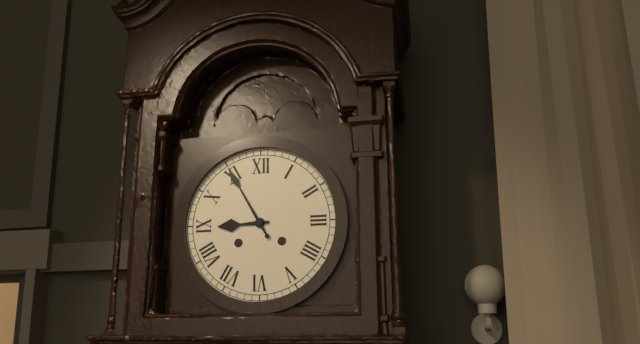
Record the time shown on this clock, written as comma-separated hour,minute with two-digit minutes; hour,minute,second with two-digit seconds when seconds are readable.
8,55
